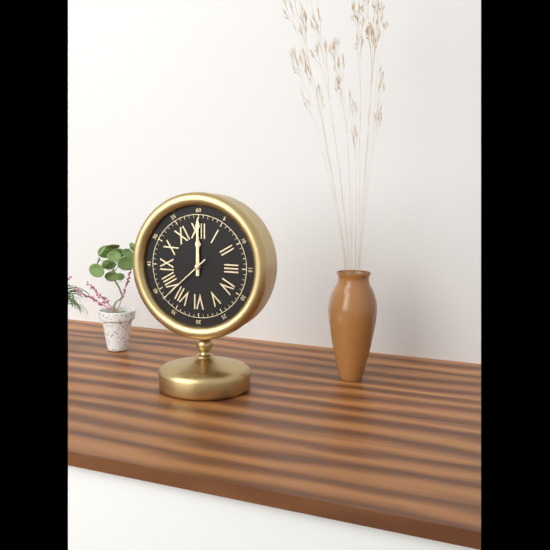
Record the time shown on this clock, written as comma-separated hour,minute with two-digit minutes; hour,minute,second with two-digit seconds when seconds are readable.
12,00,38
